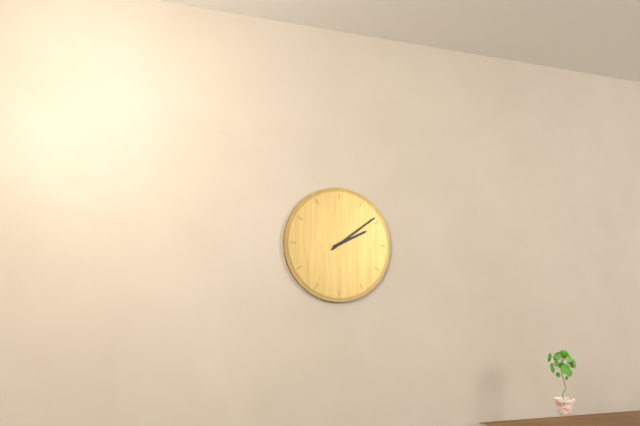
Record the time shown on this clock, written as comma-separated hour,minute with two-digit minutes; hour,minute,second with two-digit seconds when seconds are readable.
2,09
